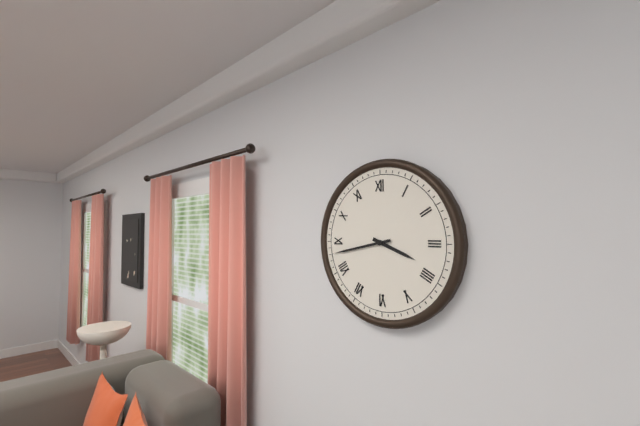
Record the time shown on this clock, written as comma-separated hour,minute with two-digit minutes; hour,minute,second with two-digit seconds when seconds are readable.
3,43
